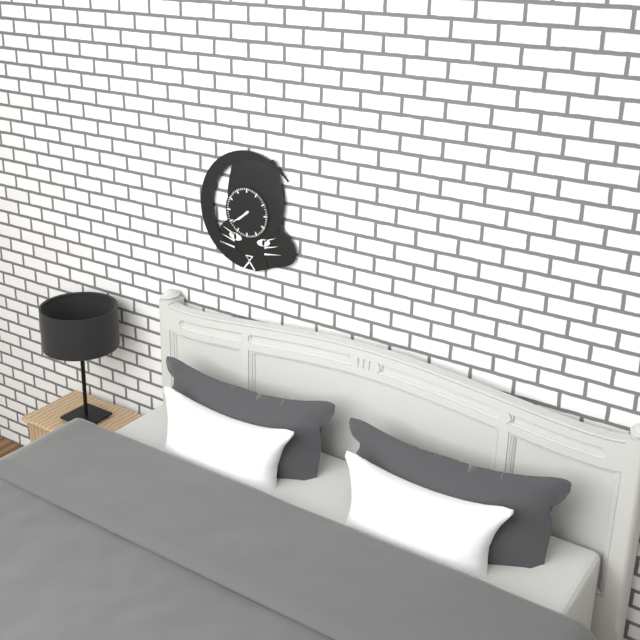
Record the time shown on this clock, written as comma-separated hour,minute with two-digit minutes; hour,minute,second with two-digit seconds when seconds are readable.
7,39
